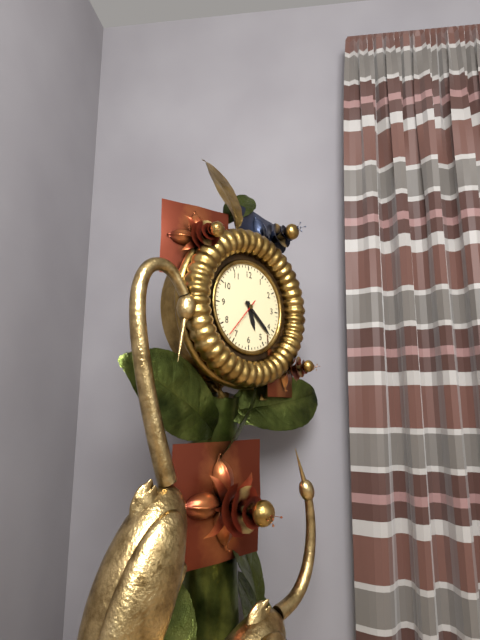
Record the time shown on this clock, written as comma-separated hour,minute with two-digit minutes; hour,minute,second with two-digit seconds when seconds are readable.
5,22
